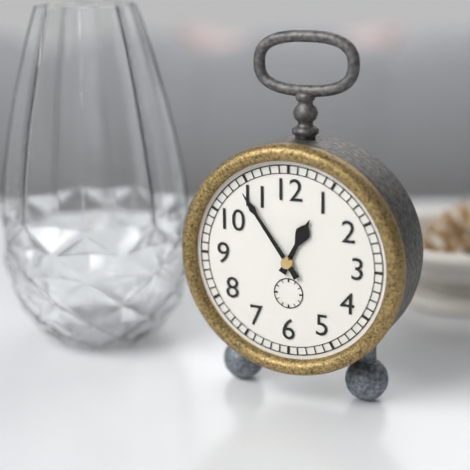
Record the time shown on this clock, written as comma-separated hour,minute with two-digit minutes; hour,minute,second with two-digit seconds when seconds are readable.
12,54
